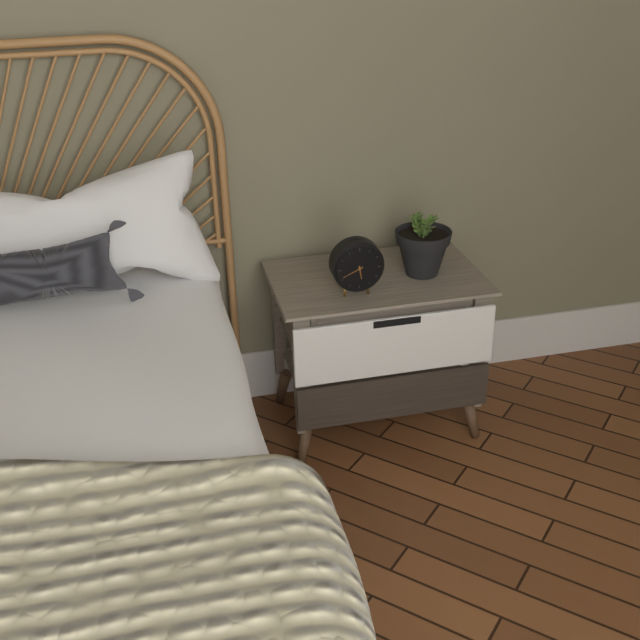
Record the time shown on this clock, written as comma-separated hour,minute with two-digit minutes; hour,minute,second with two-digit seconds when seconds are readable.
5,41
